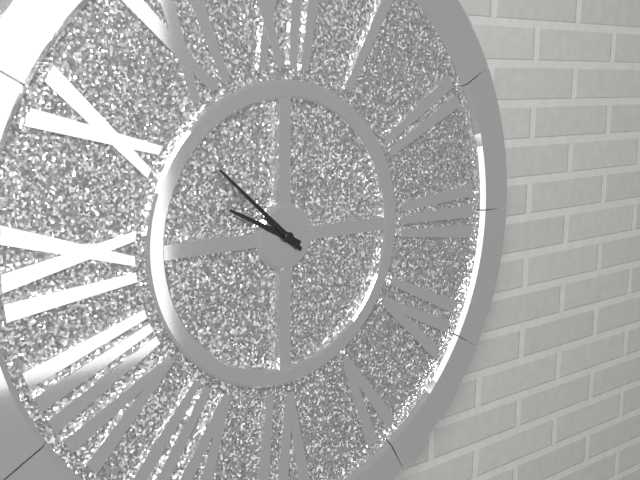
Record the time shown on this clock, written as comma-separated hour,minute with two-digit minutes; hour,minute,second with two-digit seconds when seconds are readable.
9,52
